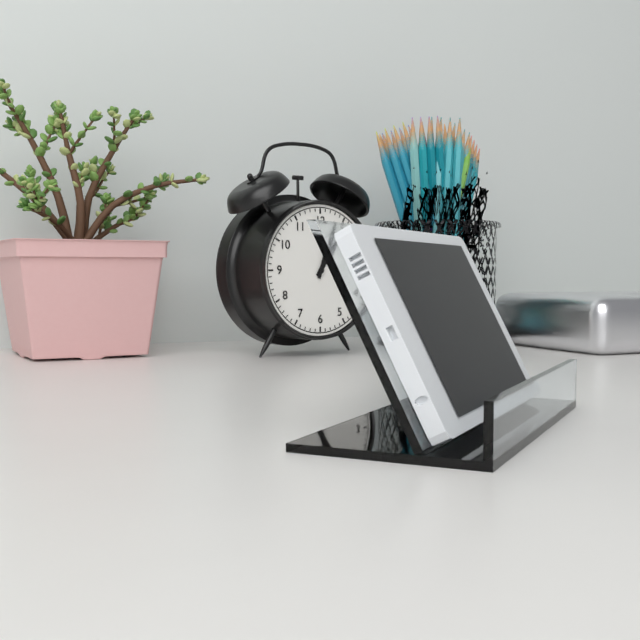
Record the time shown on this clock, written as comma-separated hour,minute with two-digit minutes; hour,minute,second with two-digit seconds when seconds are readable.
1,03
